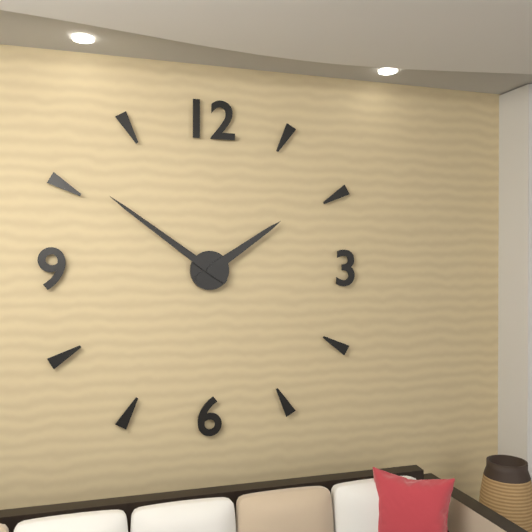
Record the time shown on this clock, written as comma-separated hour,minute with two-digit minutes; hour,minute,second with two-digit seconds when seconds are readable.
1,51
